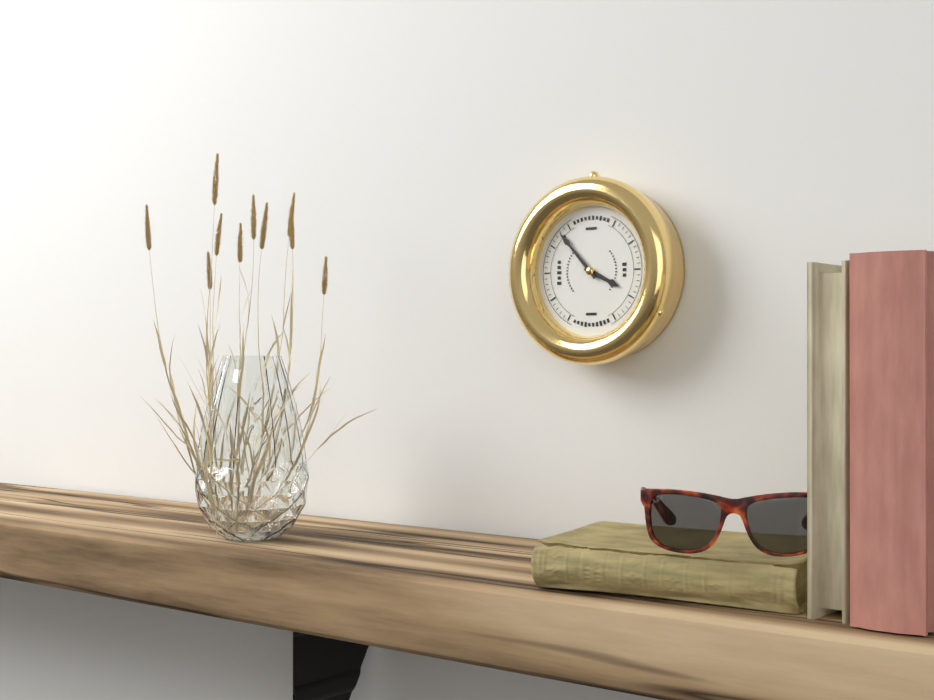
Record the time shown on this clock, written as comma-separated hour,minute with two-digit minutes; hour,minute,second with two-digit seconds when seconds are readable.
3,53
